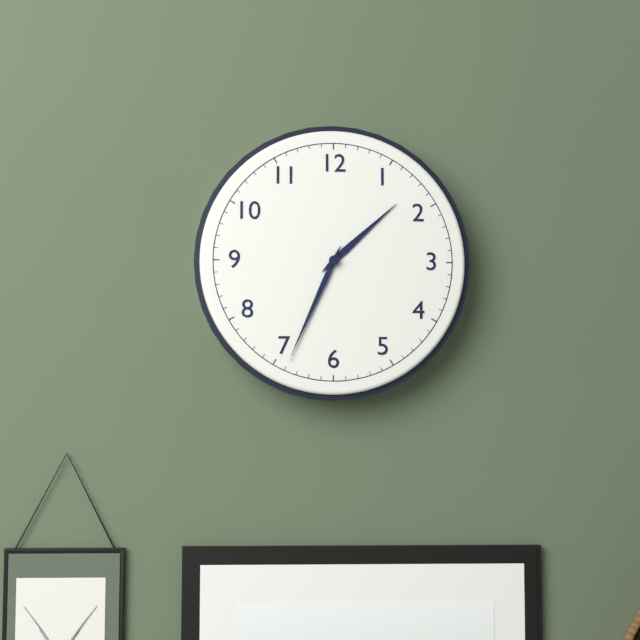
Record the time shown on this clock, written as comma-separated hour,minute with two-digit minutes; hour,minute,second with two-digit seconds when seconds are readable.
1,34
